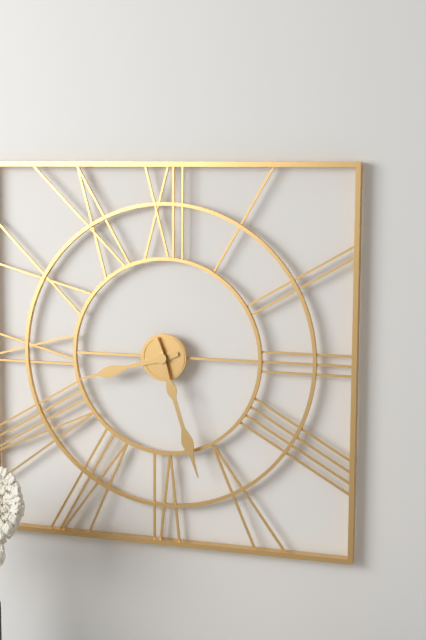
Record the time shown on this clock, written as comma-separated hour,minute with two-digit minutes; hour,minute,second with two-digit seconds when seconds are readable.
8,27
